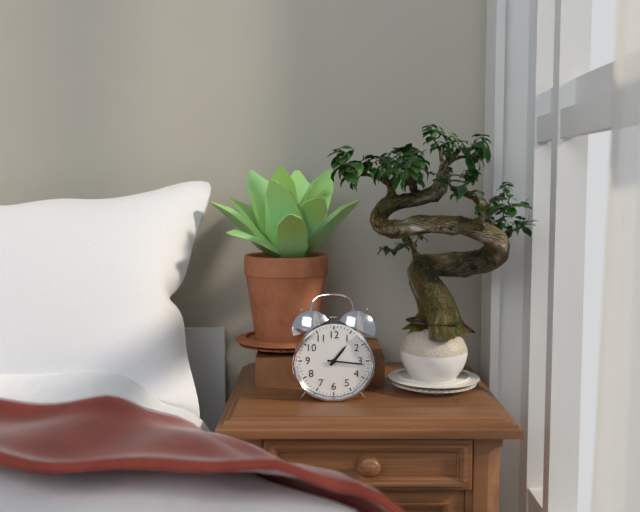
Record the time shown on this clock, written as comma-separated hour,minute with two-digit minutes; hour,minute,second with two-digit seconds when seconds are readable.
1,16
